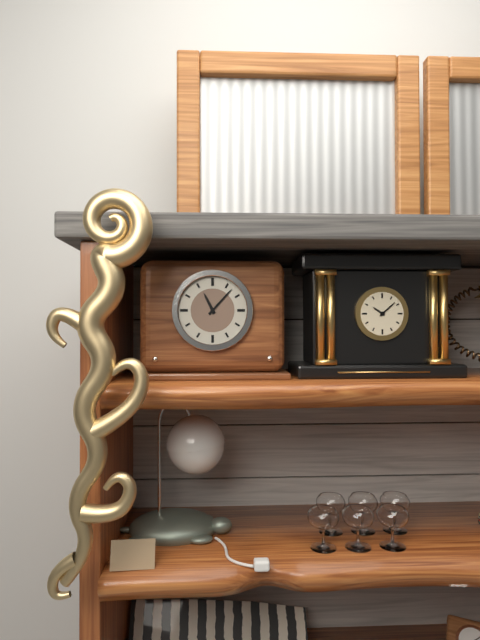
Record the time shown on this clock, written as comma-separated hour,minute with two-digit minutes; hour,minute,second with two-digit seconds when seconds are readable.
11,07
